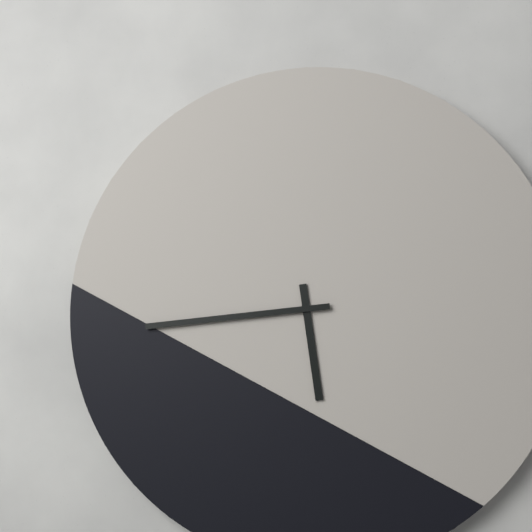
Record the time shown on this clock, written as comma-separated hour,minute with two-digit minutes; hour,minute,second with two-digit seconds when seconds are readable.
5,44
